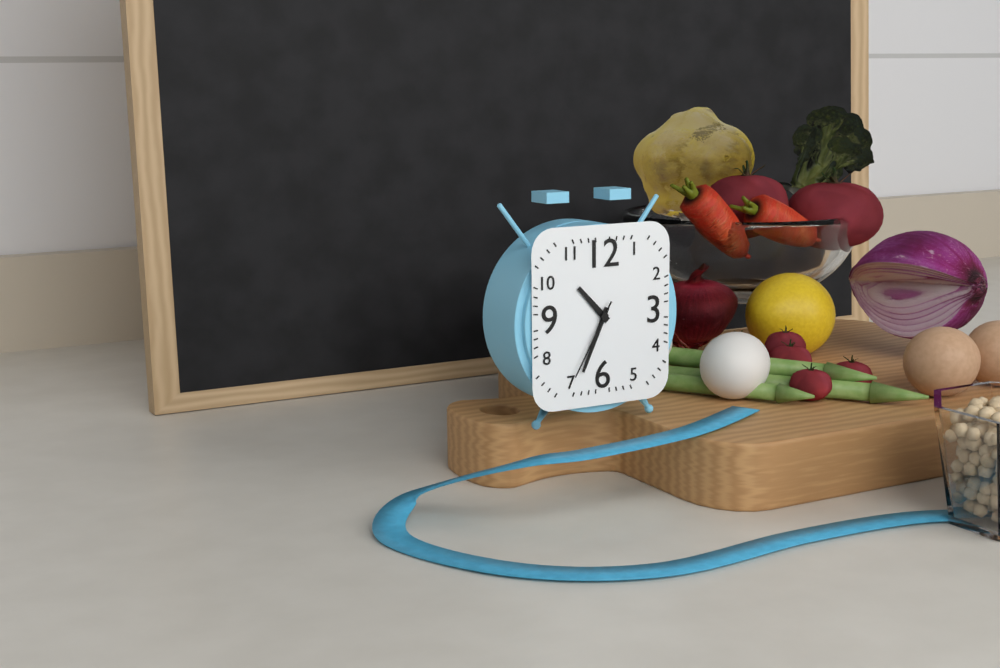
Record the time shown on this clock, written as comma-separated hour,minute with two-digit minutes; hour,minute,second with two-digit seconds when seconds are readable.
10,34,35
